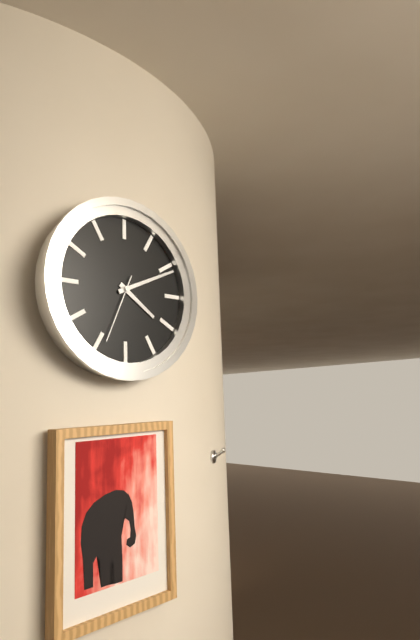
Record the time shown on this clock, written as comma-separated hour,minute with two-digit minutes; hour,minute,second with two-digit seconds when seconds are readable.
4,11,34
